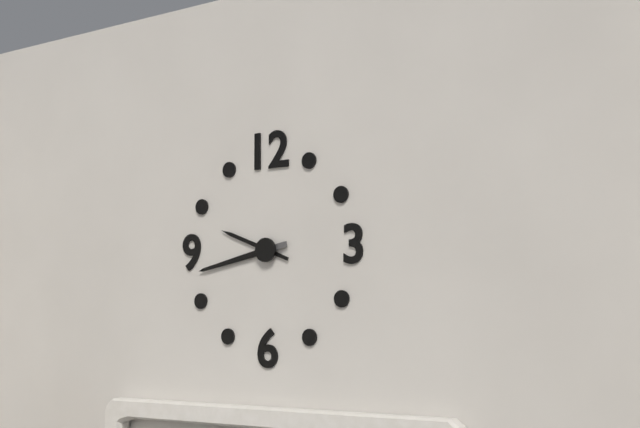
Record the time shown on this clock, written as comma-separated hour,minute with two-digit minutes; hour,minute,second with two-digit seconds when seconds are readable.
9,43
